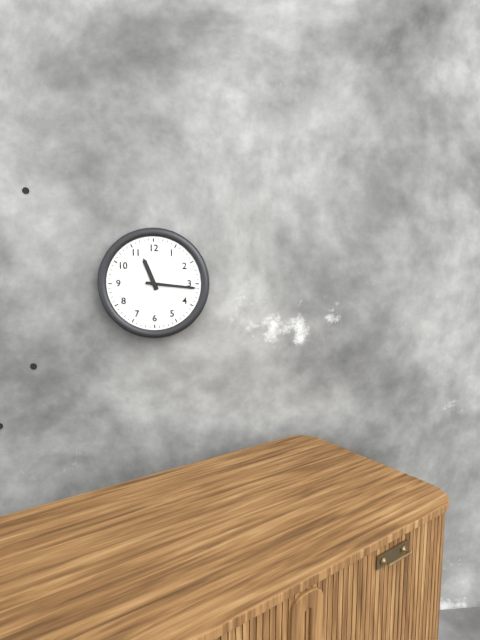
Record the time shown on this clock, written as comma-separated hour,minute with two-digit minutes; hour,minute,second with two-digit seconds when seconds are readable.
11,16
